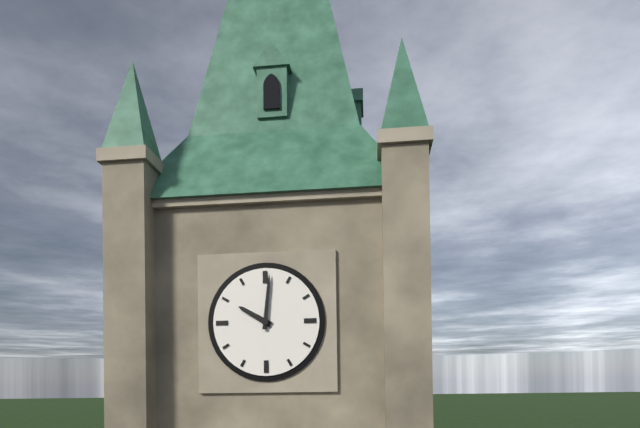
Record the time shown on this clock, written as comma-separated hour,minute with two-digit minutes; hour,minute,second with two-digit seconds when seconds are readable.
10,01
